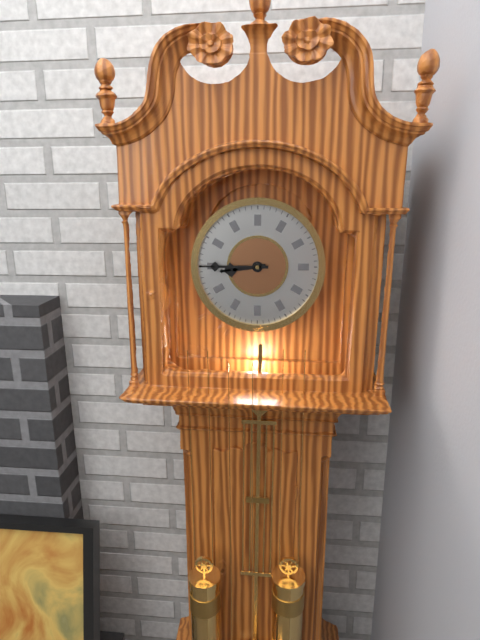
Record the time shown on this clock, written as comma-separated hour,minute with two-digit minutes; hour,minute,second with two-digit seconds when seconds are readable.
8,45
